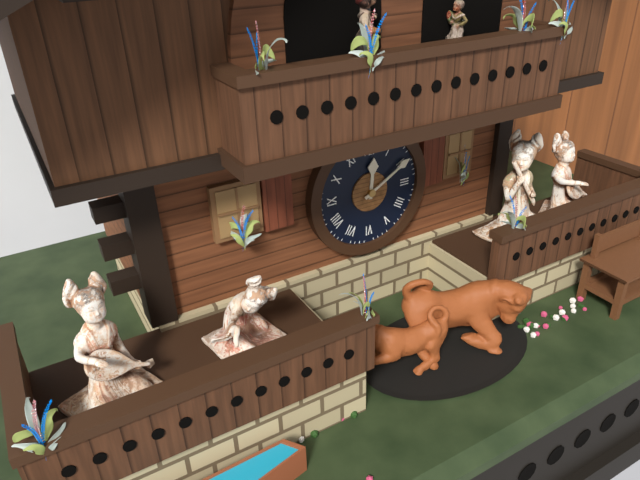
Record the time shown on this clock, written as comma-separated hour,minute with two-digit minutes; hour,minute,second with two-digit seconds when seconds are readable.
12,10
